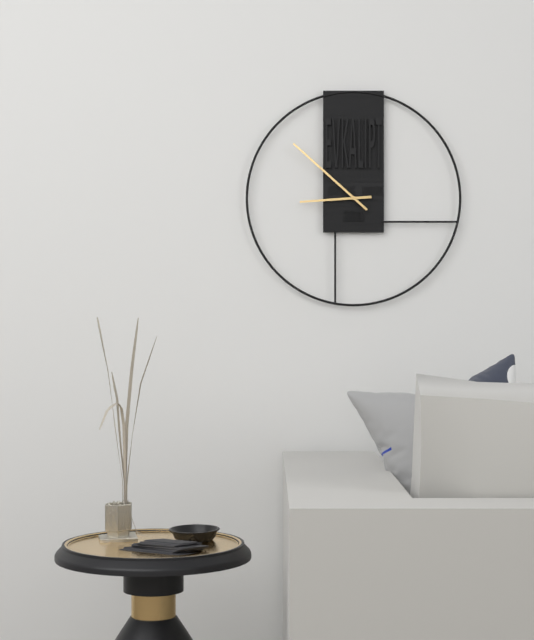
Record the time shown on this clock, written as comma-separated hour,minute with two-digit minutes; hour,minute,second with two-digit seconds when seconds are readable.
8,52
